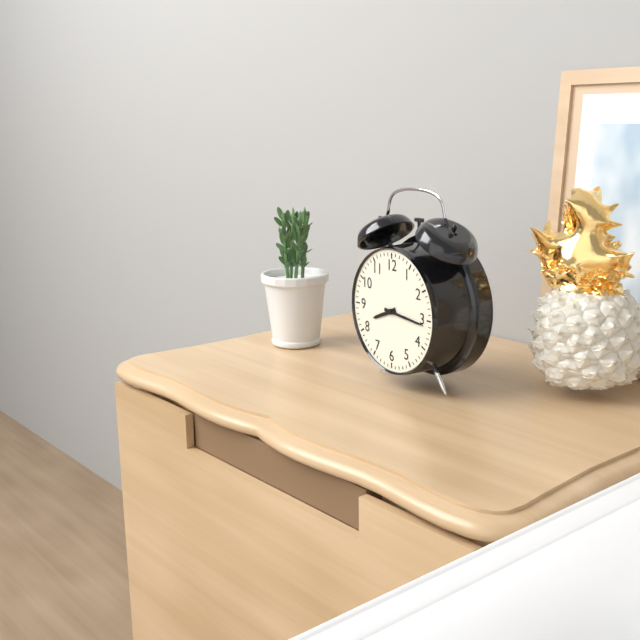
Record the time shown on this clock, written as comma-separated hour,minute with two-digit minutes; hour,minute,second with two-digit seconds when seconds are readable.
8,16
